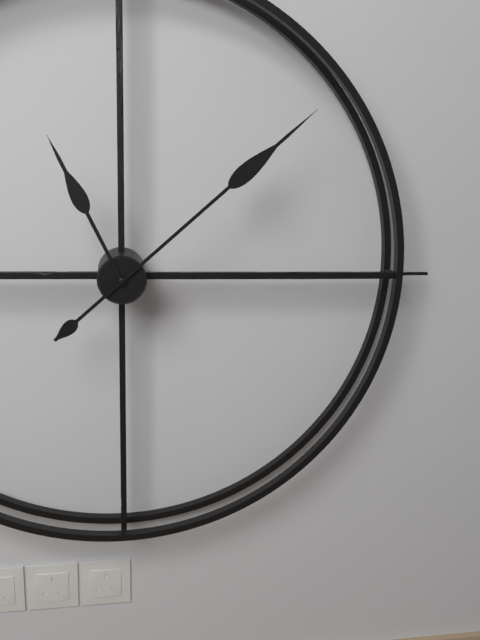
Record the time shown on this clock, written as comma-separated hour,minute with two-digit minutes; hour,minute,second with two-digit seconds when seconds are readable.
11,08
